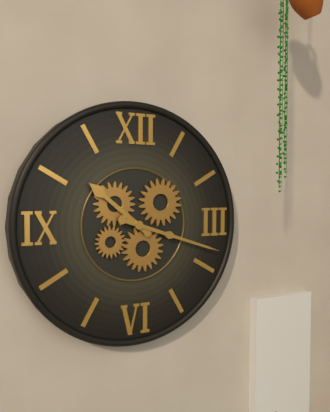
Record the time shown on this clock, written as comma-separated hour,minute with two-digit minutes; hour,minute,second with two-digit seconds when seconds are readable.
10,18
